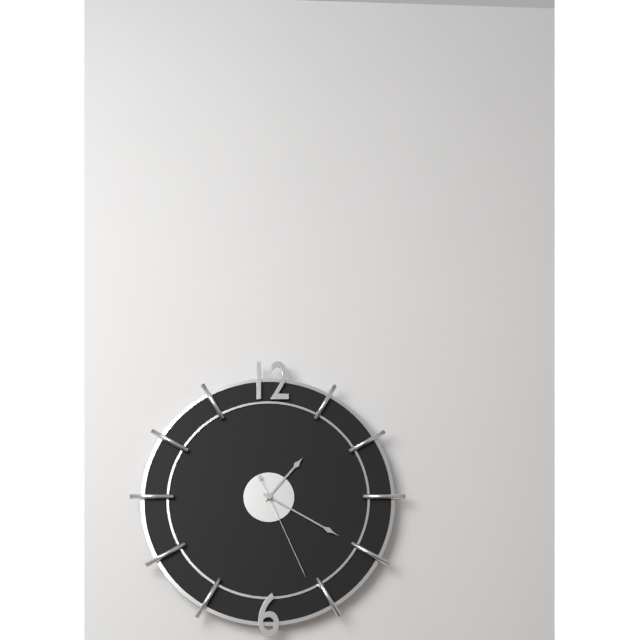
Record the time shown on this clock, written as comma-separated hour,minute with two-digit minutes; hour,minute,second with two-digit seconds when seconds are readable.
1,20,26
